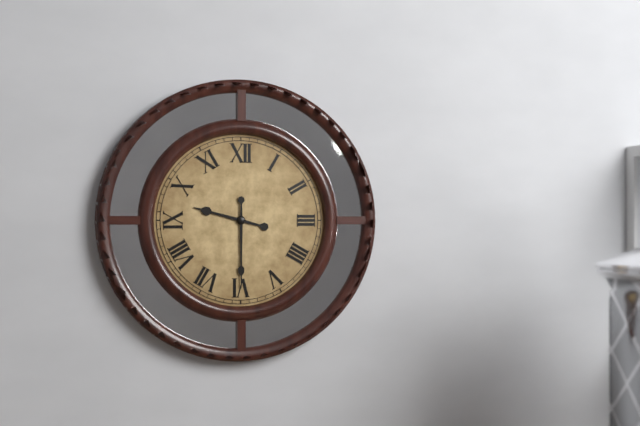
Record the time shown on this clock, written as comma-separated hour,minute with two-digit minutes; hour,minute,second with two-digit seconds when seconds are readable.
9,30
